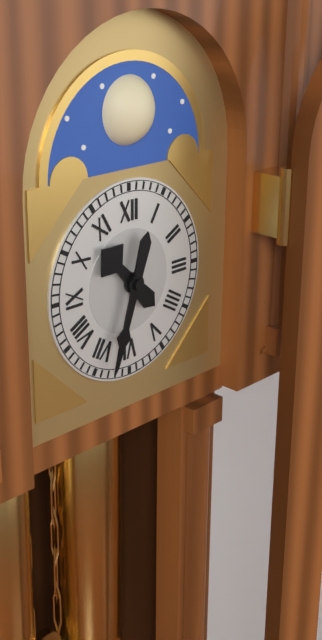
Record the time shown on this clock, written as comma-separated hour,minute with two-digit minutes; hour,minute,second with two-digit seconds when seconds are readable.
10,33
